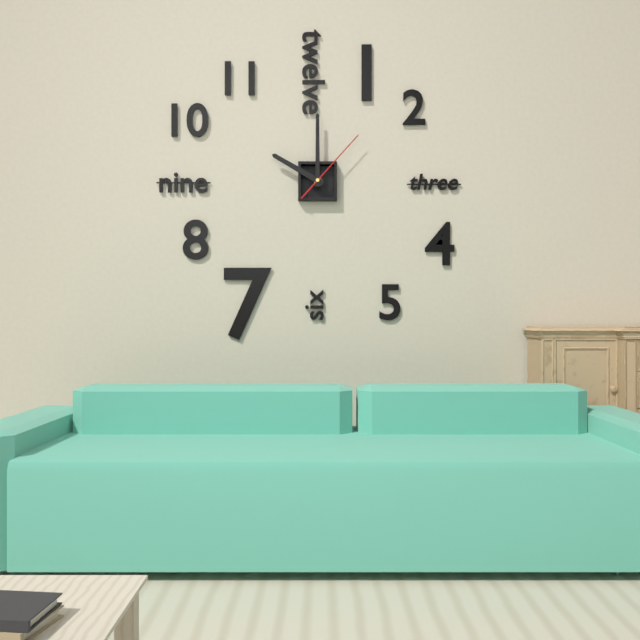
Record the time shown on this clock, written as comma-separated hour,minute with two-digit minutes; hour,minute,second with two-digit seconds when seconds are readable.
10,00,07
